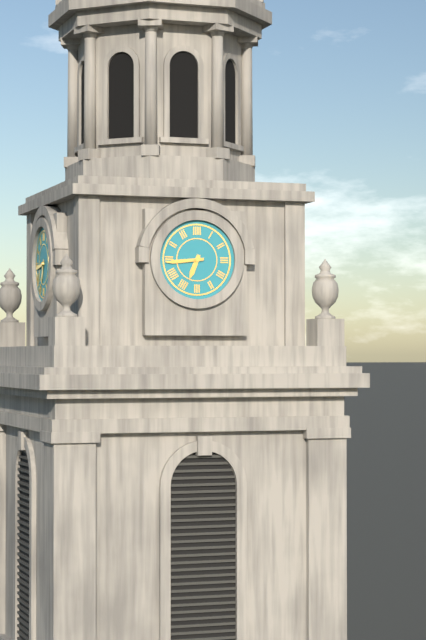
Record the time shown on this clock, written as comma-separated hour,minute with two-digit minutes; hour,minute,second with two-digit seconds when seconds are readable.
6,44
